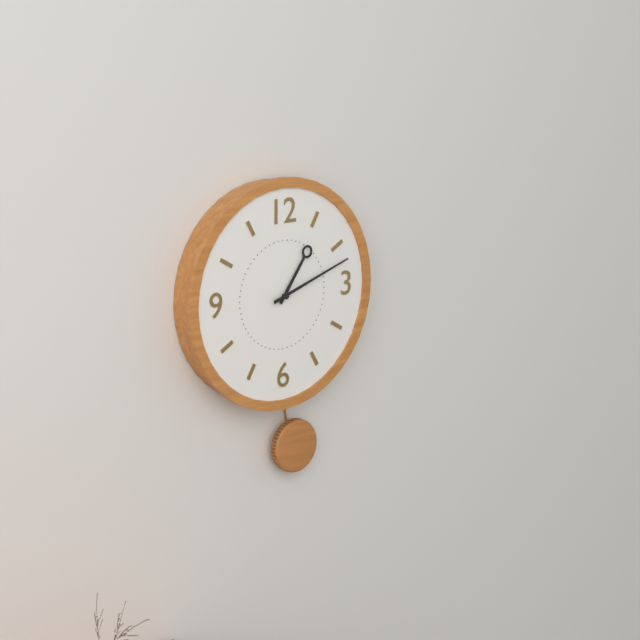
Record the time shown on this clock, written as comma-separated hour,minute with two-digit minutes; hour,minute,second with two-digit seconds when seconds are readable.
1,12
